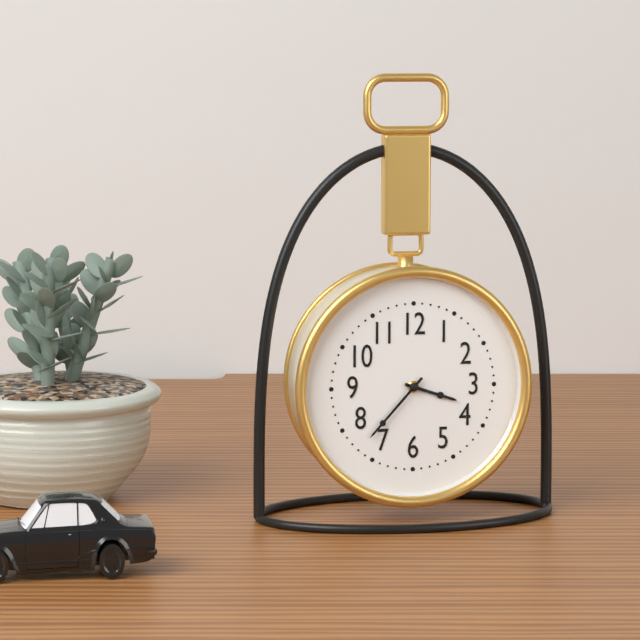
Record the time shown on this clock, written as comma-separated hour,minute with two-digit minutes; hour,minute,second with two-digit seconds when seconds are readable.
3,37
